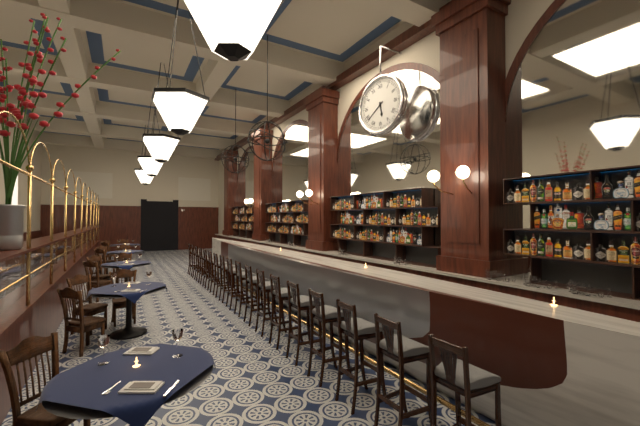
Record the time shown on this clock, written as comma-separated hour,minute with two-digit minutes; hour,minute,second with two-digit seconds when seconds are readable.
5,39
